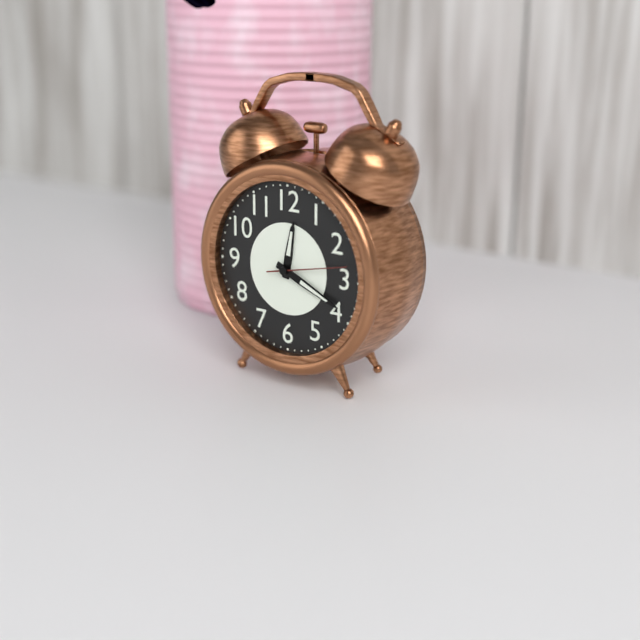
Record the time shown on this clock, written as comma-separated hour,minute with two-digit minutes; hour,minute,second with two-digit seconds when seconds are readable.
12,19,13
